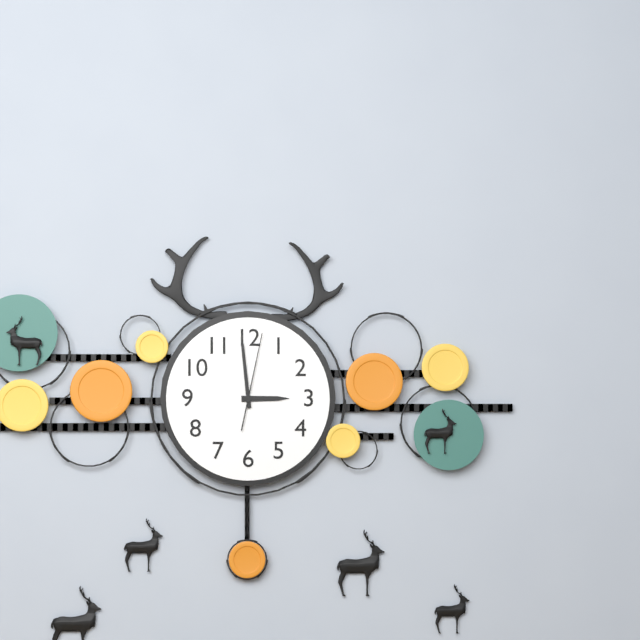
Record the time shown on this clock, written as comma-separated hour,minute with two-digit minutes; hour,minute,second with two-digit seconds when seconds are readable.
2,59,02
